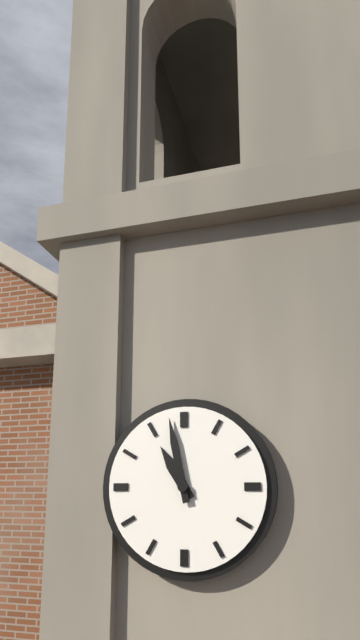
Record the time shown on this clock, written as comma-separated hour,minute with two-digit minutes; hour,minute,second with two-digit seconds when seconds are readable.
10,58
